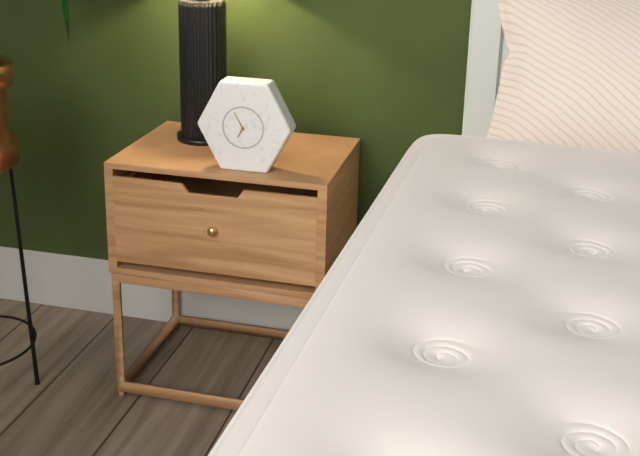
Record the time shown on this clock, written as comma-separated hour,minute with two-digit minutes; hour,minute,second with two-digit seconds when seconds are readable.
6,55
